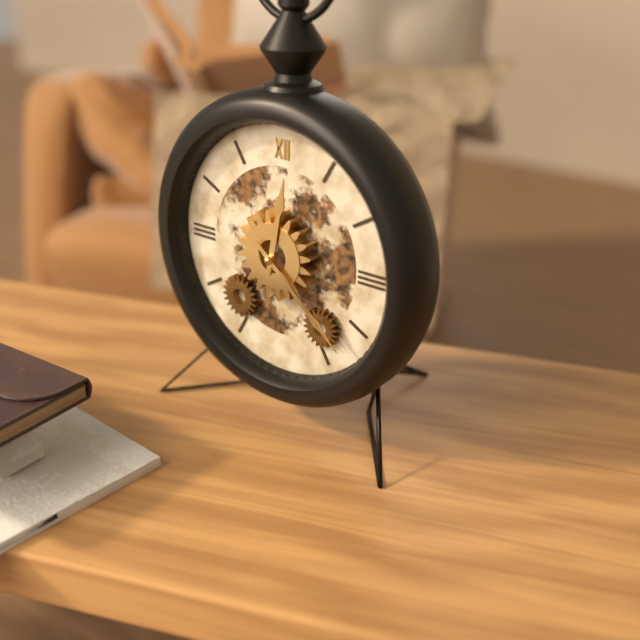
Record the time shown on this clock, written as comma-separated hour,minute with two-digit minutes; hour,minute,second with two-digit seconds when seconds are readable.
12,22
